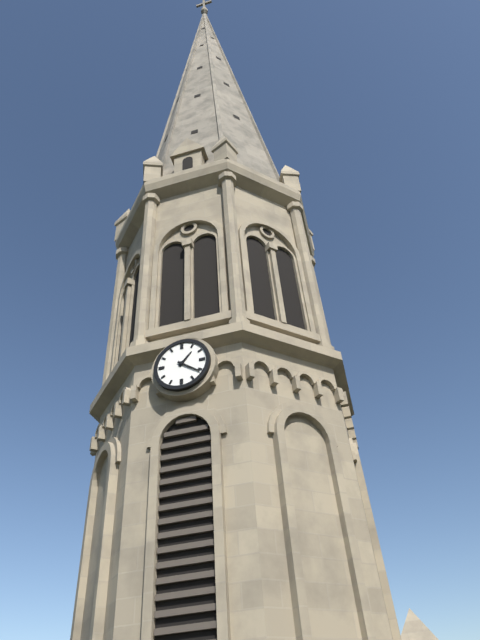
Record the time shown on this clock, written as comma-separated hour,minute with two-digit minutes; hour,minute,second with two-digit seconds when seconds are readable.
1,21
